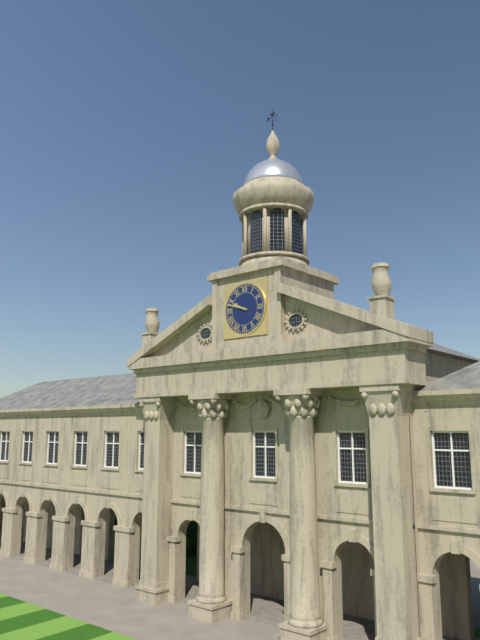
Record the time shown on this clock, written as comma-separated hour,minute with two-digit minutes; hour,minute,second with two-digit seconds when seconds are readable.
9,48
